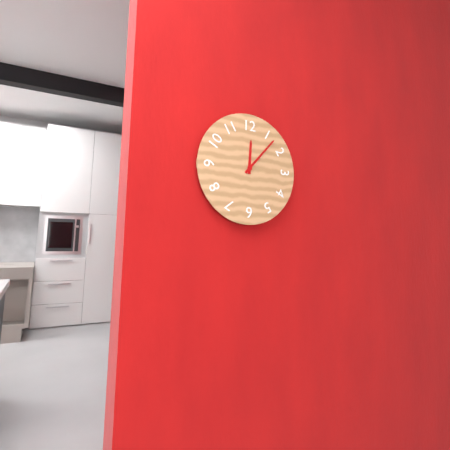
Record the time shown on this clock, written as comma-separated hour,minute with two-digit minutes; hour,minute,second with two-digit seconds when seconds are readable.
12,07
